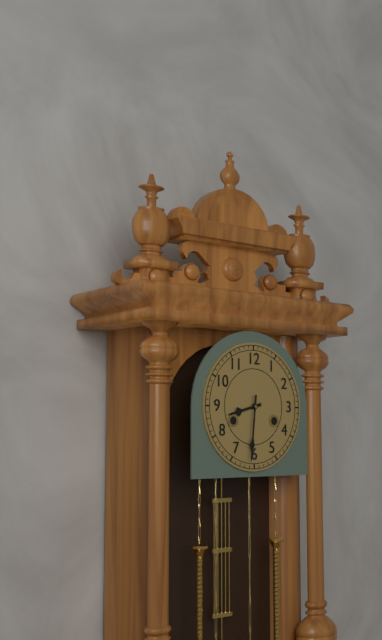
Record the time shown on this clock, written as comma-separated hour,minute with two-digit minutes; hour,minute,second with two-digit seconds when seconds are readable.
8,31
